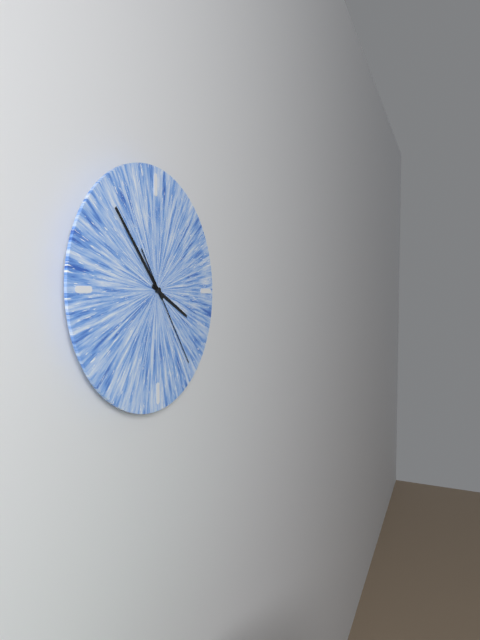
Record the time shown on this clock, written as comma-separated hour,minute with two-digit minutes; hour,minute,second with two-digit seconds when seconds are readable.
3,53,24
